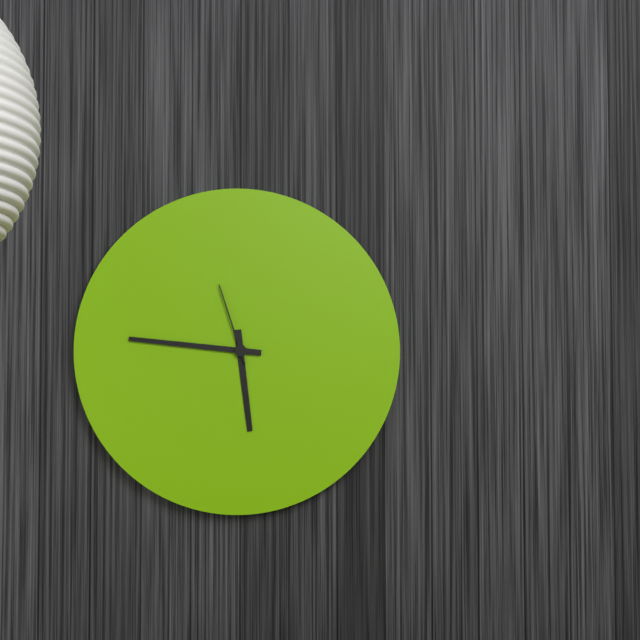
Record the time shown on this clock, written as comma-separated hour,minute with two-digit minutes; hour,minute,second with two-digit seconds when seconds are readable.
5,46,57
